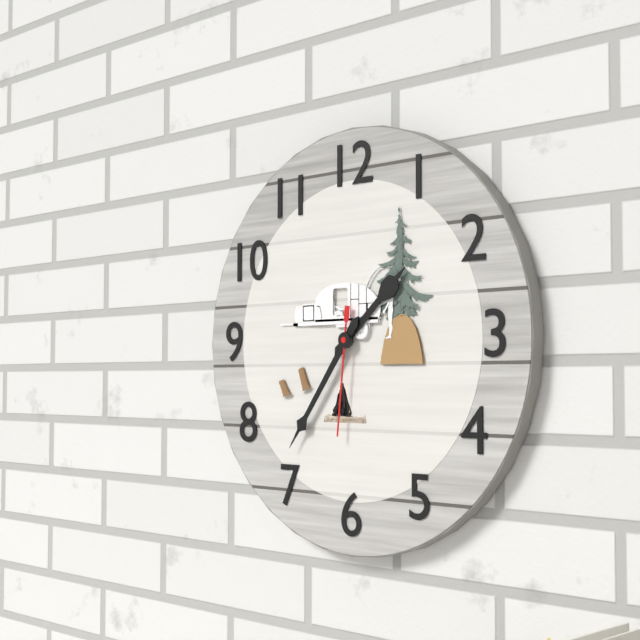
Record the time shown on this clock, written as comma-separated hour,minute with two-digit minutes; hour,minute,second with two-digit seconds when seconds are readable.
1,36,31
